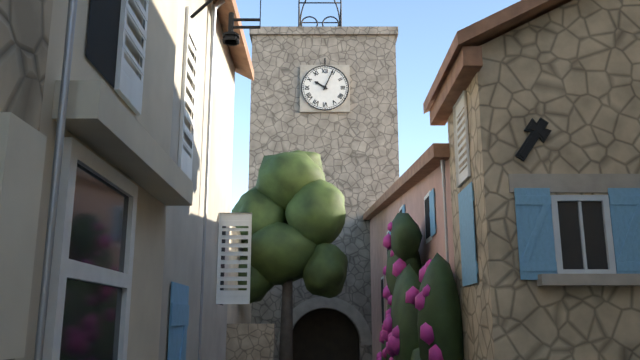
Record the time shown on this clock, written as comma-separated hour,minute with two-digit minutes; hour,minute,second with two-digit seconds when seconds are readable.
10,04
